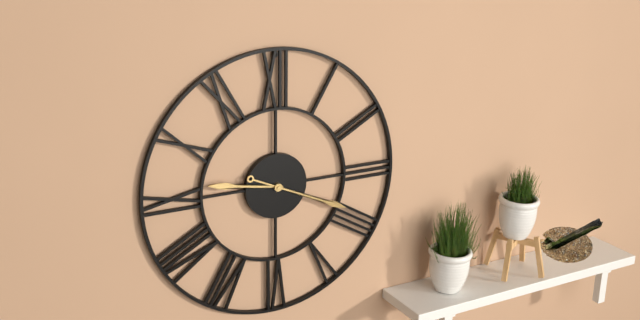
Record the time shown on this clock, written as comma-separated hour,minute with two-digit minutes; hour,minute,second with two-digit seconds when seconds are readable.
9,19
